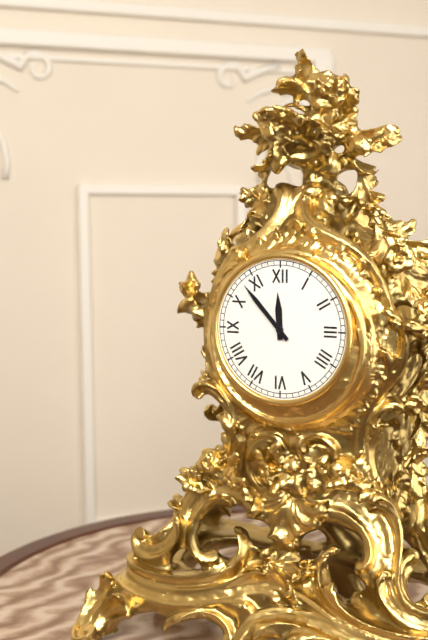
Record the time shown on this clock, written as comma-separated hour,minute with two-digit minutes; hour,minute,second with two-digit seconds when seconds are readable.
11,53
